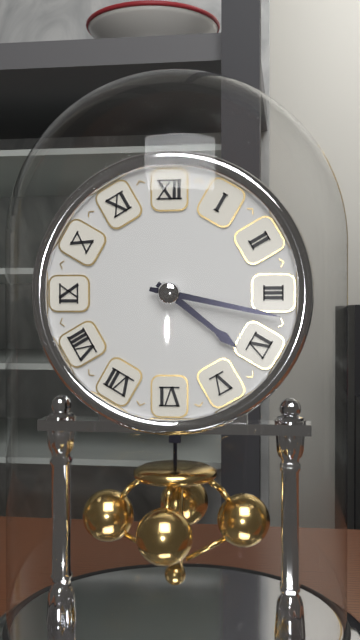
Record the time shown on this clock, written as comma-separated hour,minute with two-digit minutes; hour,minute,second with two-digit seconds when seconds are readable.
4,17
